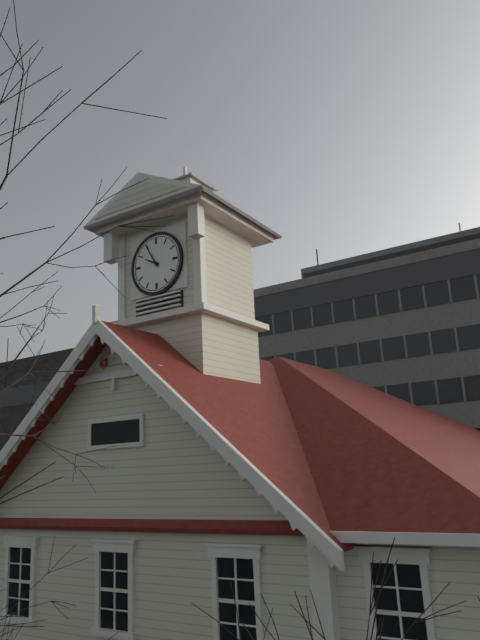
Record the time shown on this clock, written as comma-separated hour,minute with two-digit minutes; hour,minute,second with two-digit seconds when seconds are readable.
9,55
